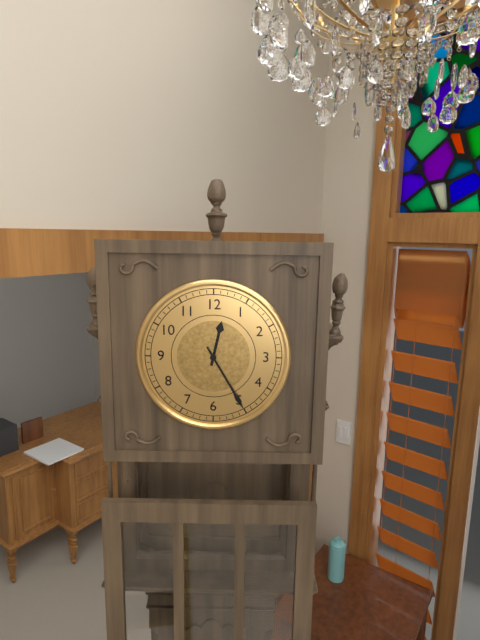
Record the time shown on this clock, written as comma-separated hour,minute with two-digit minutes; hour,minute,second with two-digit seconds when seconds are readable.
12,25
